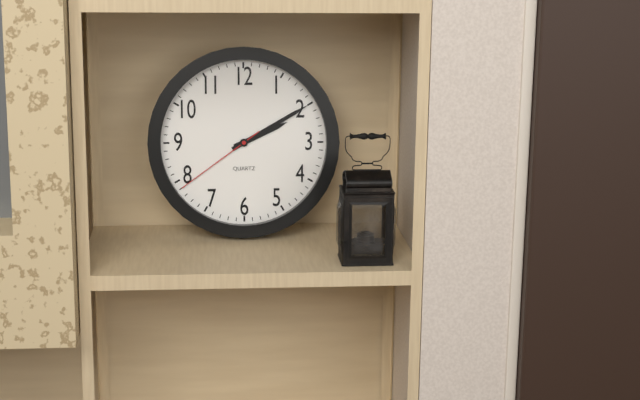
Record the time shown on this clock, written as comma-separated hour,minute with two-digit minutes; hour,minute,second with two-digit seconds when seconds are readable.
2,10,39
